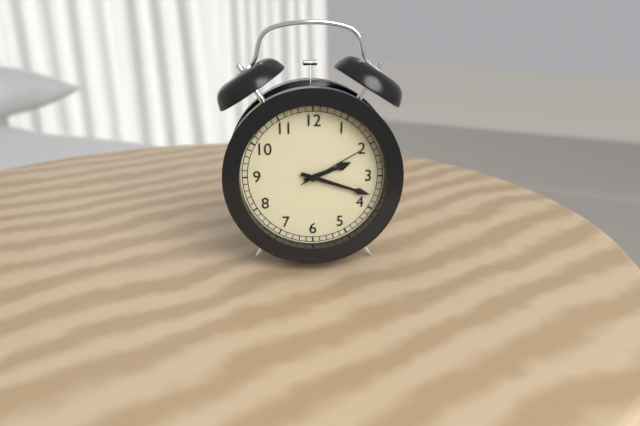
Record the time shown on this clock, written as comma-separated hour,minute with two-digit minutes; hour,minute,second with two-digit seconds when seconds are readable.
2,18,10
